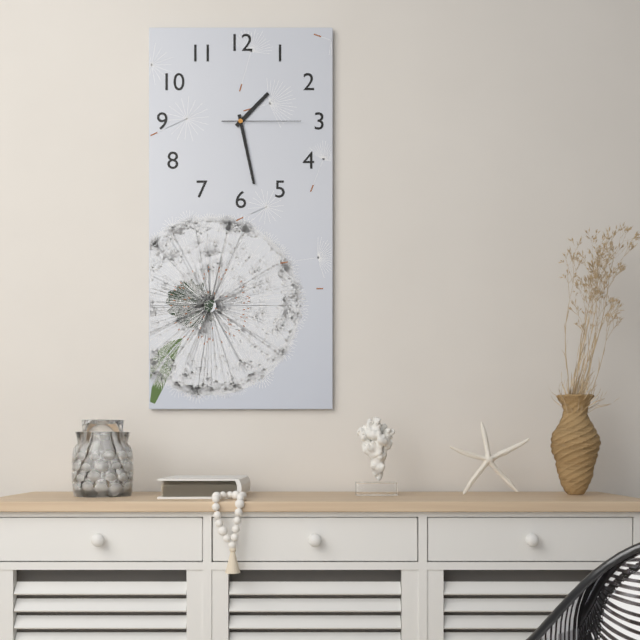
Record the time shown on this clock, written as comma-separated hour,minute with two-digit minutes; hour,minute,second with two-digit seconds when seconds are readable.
1,28,15
